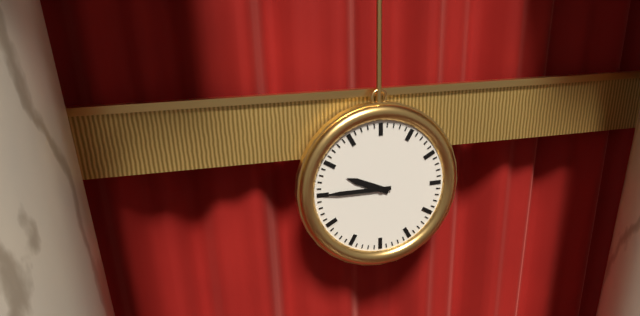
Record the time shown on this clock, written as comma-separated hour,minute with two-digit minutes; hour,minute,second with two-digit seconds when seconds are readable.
9,45
